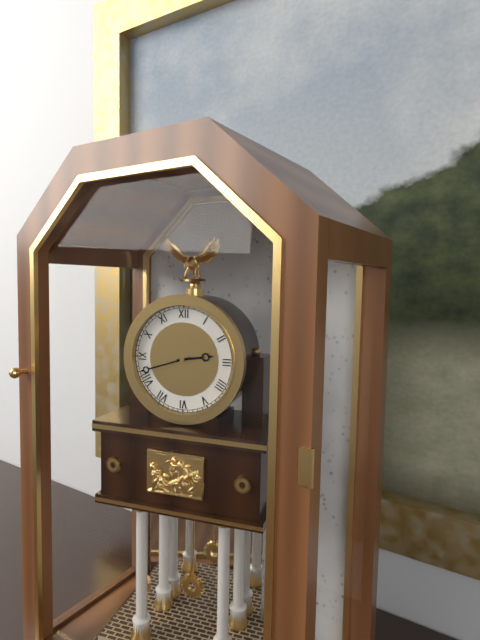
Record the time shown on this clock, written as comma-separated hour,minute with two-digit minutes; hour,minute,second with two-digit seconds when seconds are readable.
2,42
